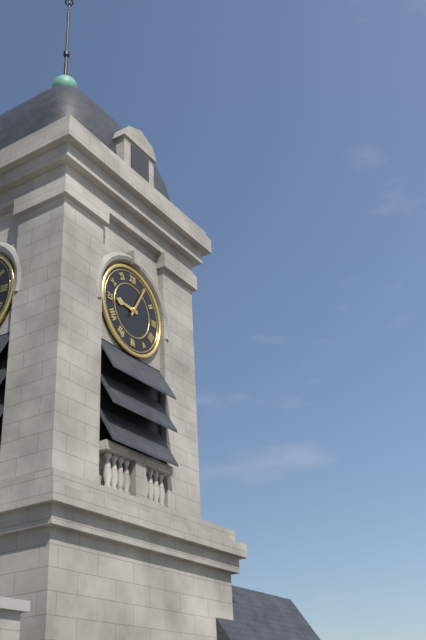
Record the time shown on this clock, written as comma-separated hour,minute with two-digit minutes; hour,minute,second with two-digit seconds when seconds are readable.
9,05
